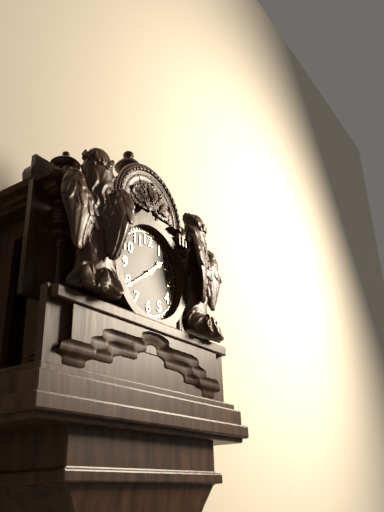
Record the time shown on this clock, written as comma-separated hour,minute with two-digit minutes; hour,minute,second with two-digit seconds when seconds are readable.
1,39
